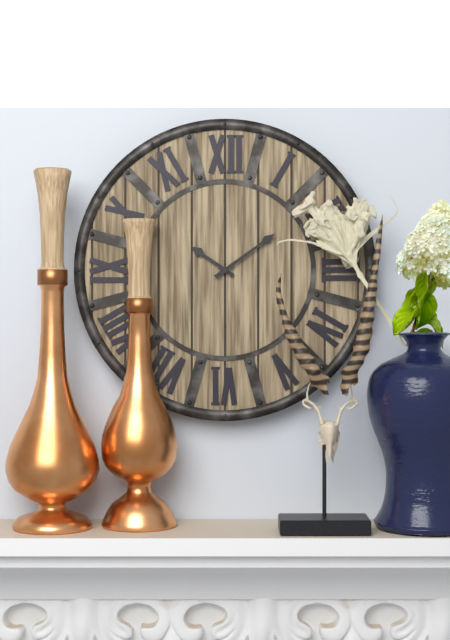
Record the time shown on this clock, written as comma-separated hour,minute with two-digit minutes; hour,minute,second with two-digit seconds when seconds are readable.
10,09
